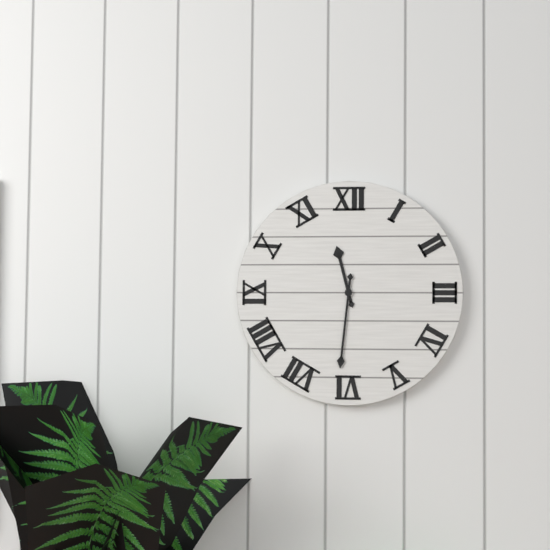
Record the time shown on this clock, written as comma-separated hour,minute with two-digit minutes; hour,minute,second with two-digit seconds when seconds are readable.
11,31
